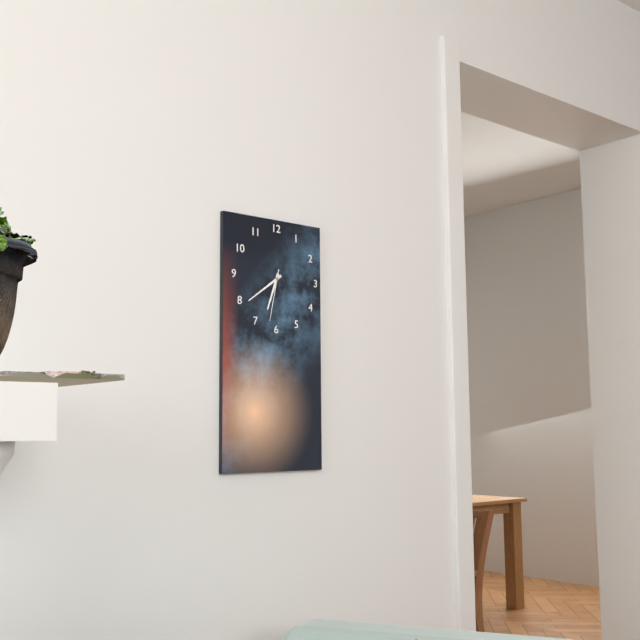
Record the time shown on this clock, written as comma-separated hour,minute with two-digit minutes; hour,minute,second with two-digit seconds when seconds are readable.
6,39,32
